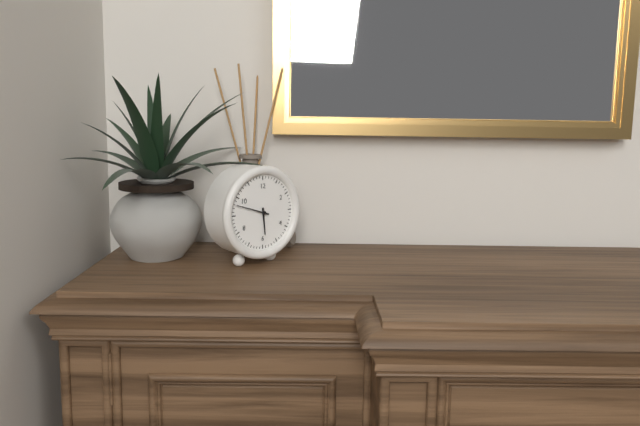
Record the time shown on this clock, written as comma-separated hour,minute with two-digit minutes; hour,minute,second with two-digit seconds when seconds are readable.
5,48
